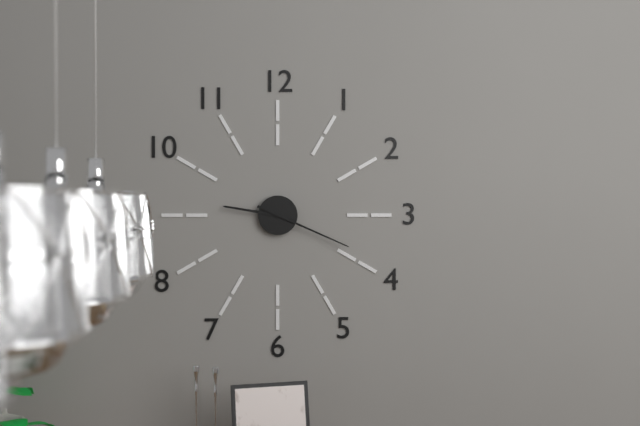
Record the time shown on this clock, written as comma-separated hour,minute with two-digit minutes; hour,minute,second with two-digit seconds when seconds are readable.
9,19,19
